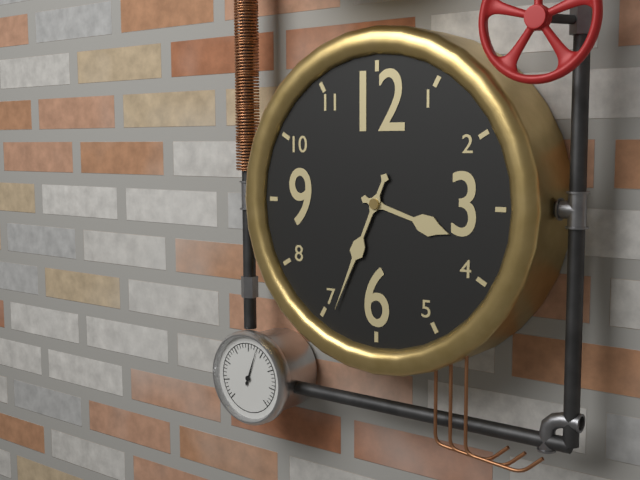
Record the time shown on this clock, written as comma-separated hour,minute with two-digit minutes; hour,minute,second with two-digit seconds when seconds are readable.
3,34
